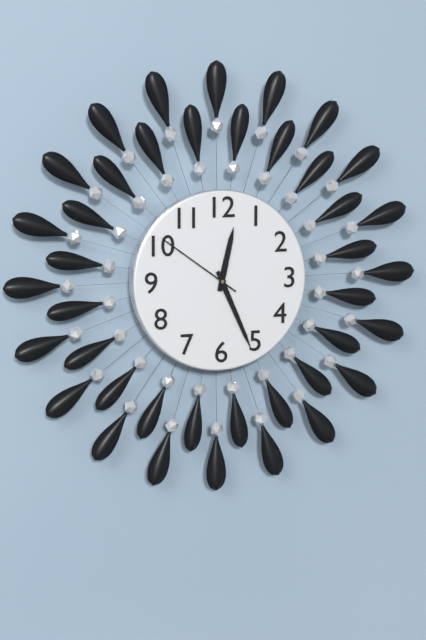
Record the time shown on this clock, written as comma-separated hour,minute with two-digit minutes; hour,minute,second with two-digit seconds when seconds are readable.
12,26,51
